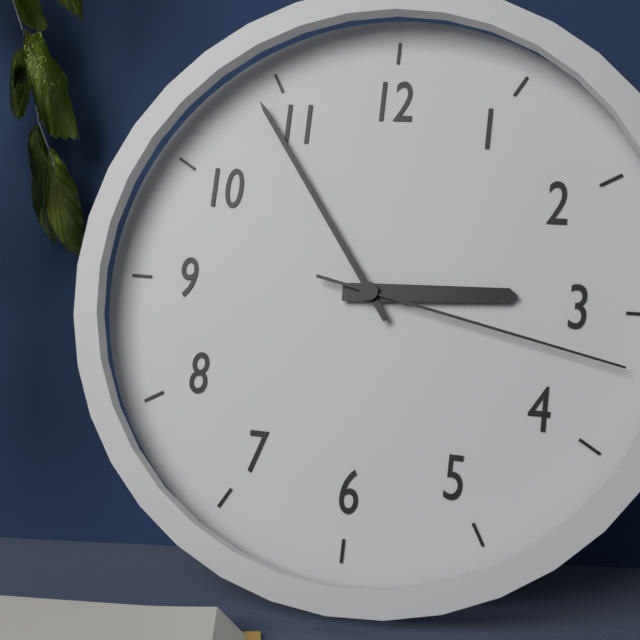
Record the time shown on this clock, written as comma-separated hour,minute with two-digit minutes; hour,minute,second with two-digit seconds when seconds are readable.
2,54,17
